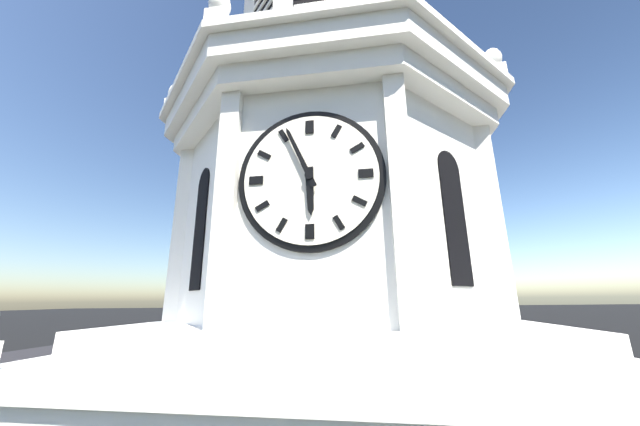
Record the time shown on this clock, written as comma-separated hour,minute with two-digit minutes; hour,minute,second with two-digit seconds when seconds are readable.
5,56
